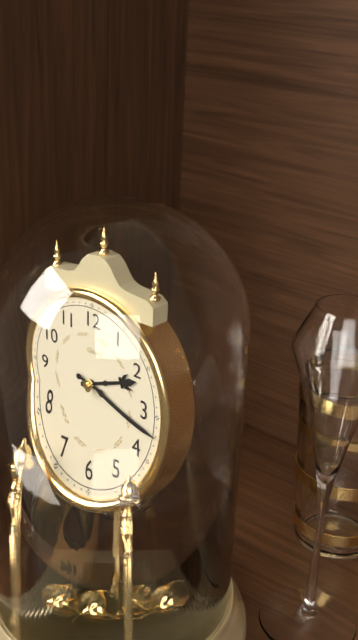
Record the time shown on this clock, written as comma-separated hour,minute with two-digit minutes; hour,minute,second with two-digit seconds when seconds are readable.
2,17
